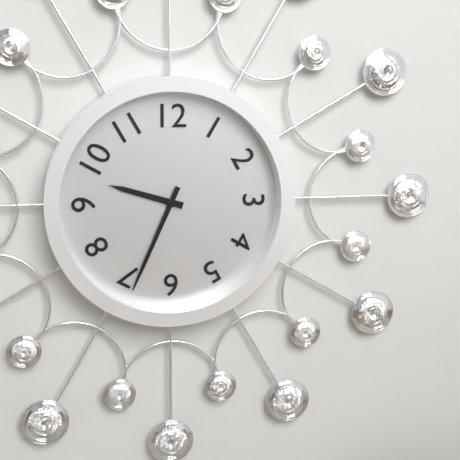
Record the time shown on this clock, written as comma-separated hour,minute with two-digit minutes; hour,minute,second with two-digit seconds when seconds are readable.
9,34
